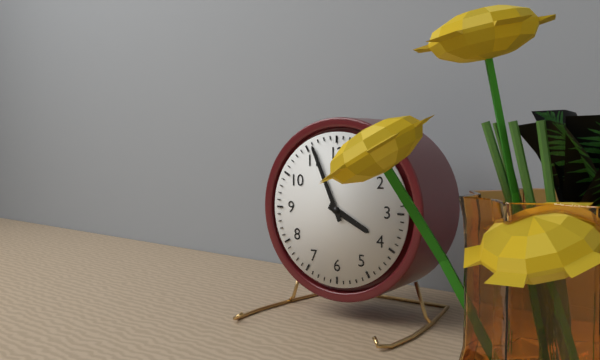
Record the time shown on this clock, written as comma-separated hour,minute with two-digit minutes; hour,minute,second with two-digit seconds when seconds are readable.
3,56
